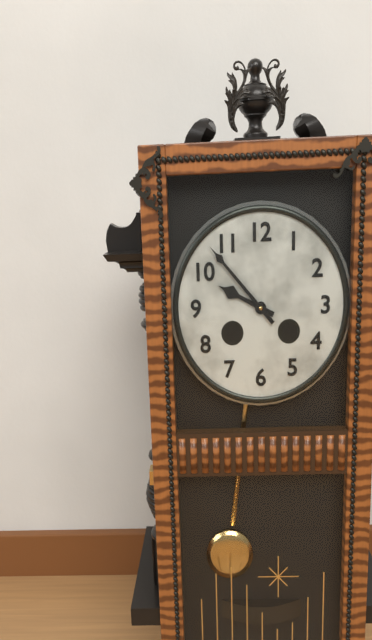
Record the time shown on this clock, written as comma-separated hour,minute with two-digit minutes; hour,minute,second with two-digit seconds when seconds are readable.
9,53
